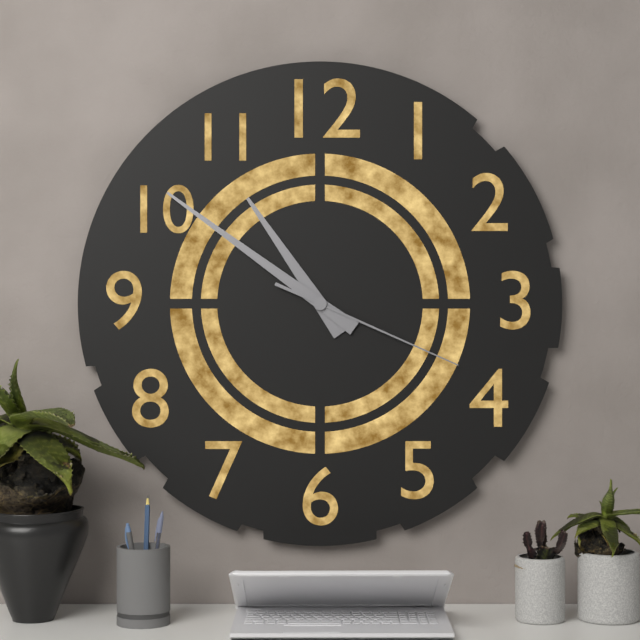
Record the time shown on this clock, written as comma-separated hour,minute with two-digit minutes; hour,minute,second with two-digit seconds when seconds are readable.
10,51,19
